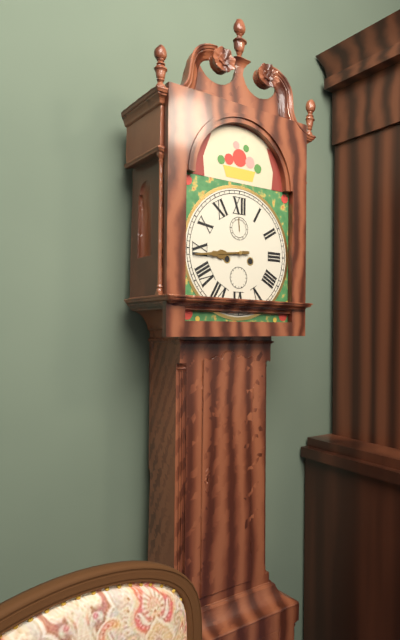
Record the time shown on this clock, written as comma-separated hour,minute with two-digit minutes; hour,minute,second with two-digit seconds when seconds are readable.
8,44
